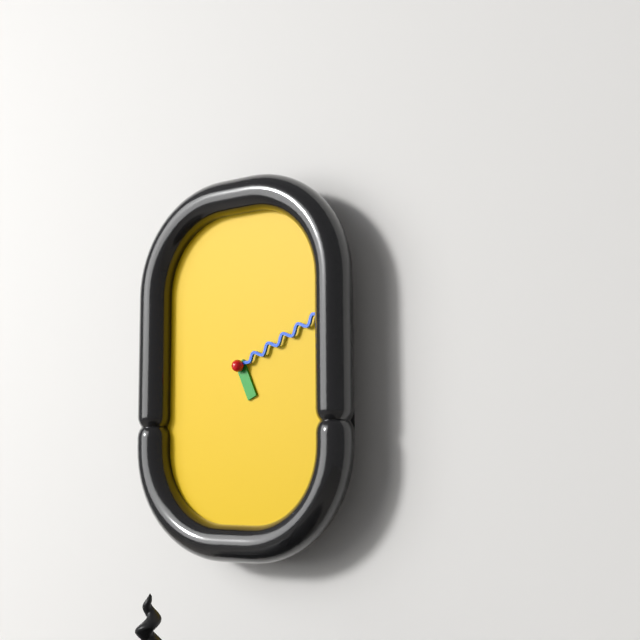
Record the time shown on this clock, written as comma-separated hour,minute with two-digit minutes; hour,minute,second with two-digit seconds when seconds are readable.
5,11
